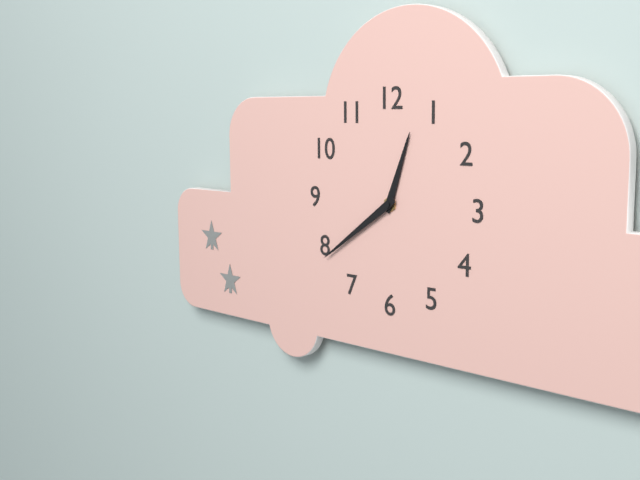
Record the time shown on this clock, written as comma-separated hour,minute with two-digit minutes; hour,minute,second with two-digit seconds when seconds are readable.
12,39
